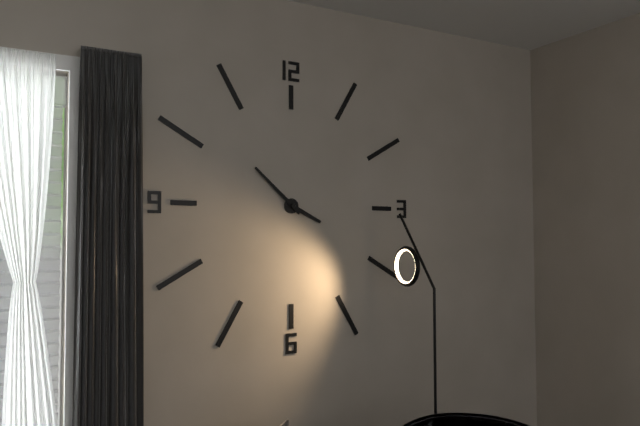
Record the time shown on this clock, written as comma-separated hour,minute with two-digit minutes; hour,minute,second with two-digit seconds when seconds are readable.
3,52
